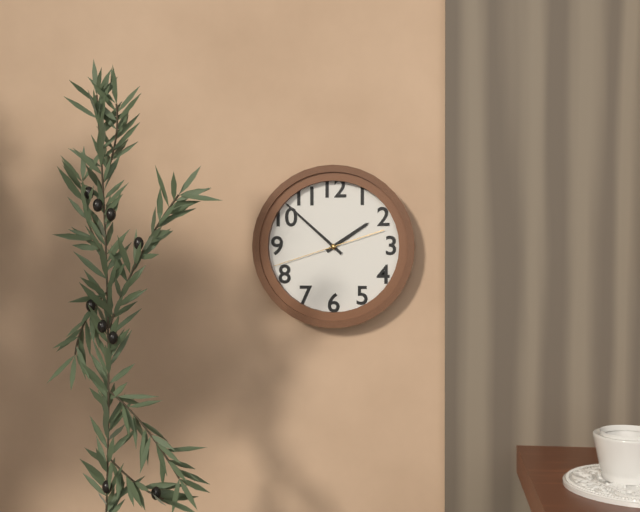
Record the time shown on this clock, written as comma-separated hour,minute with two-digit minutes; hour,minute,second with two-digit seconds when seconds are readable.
1,52,42
